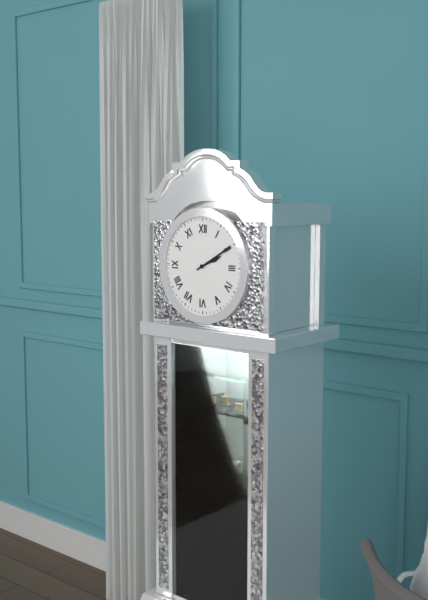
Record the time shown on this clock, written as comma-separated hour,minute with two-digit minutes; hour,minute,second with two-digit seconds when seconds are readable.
2,10
